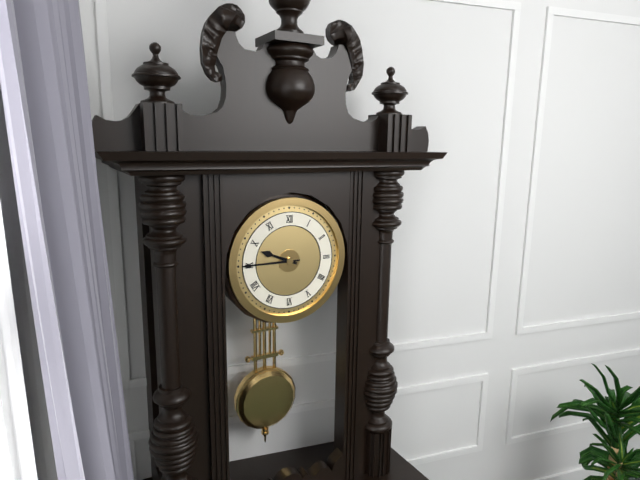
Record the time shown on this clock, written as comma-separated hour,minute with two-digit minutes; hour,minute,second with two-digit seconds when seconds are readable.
9,45
